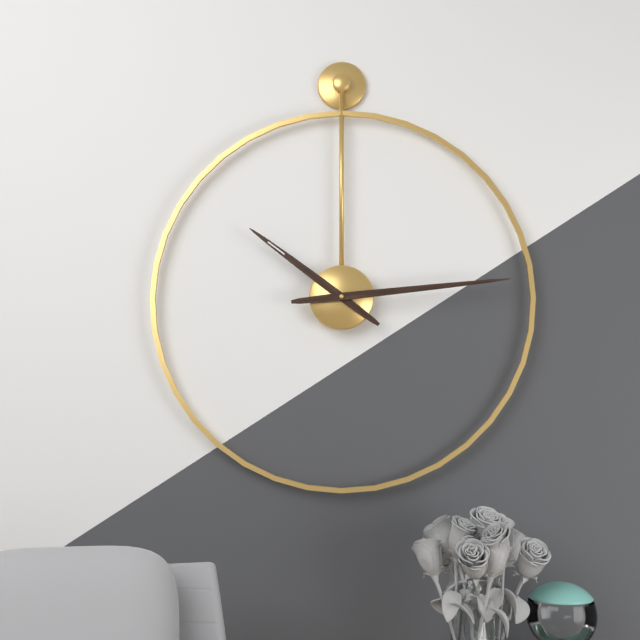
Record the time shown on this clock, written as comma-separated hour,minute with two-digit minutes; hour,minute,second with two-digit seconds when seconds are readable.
10,14
